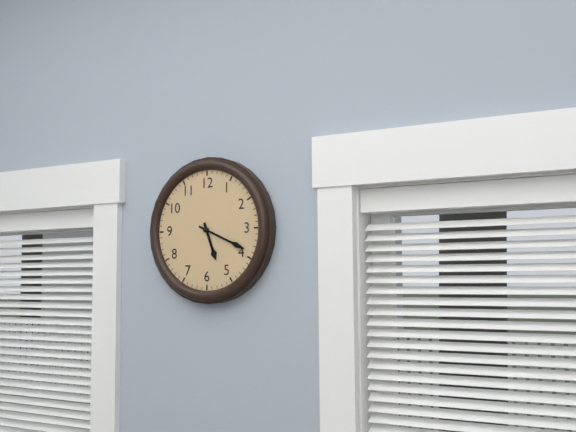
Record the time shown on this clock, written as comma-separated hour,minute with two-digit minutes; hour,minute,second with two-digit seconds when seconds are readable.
5,19
